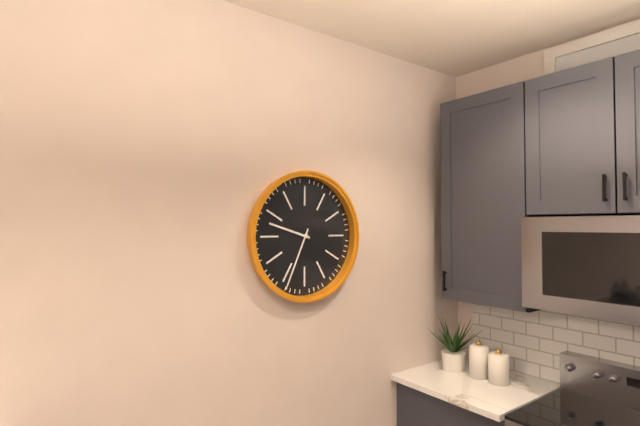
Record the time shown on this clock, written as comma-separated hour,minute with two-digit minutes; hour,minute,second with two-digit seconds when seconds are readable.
9,34
